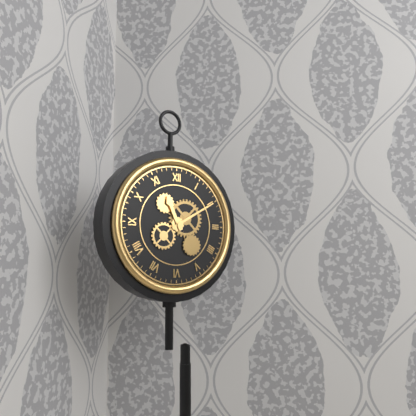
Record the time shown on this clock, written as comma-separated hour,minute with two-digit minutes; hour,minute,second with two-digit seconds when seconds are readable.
11,10
